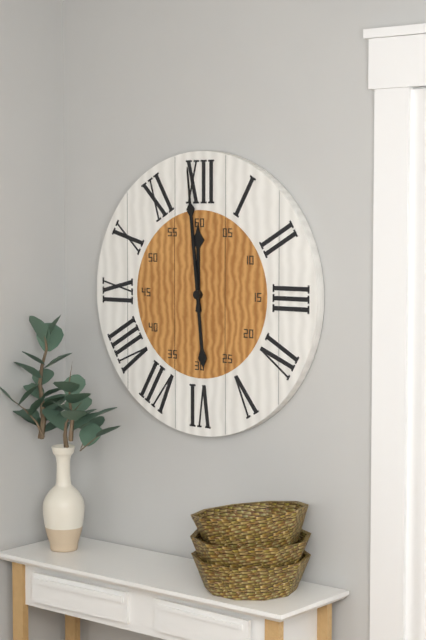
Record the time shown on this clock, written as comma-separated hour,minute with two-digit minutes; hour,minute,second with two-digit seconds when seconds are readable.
11,59
